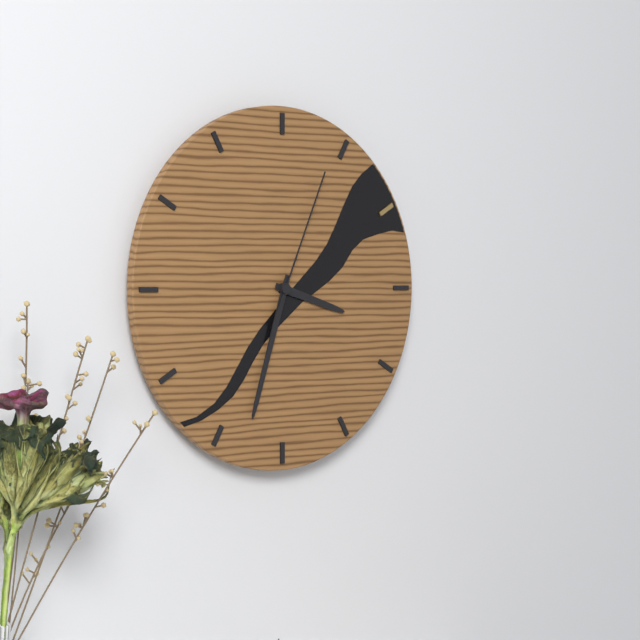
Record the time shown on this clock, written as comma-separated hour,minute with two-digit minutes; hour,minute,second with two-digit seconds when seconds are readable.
3,33,04
